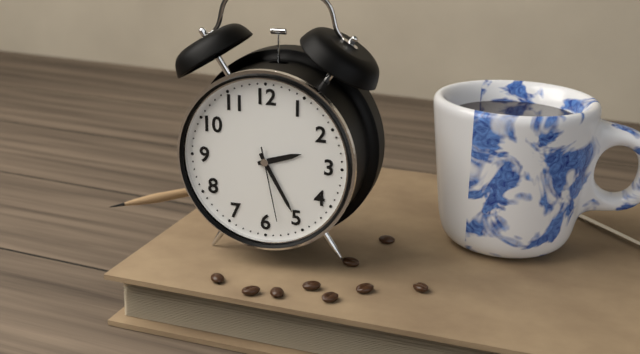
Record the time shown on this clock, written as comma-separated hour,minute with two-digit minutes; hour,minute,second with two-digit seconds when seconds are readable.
2,25,28
